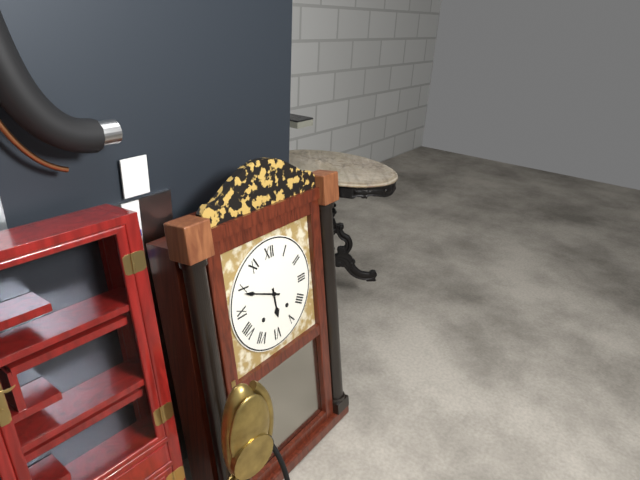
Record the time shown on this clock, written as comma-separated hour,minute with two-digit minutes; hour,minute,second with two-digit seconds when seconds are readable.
5,49
